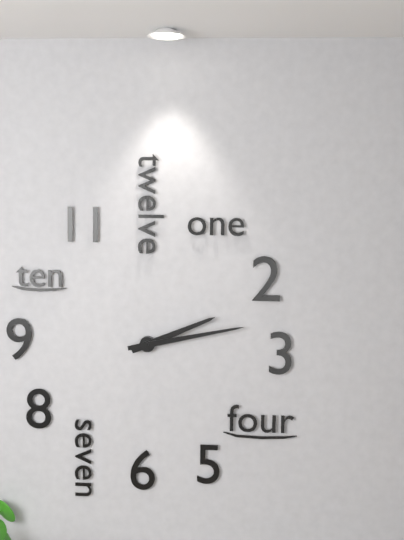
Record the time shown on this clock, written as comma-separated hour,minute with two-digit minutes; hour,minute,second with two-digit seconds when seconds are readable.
2,13
